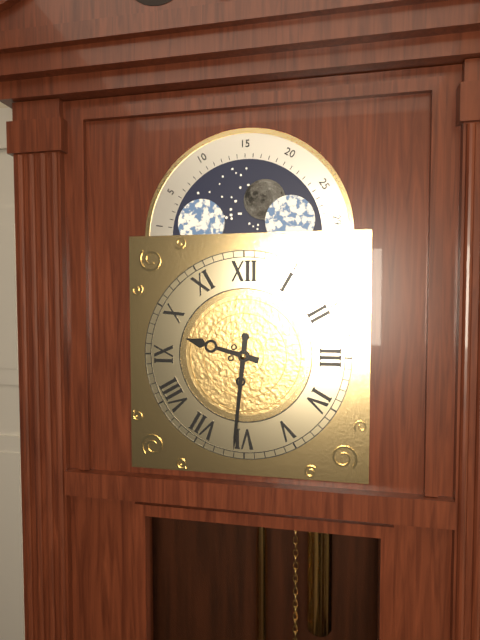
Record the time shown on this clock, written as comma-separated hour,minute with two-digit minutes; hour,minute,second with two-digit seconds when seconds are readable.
9,31
